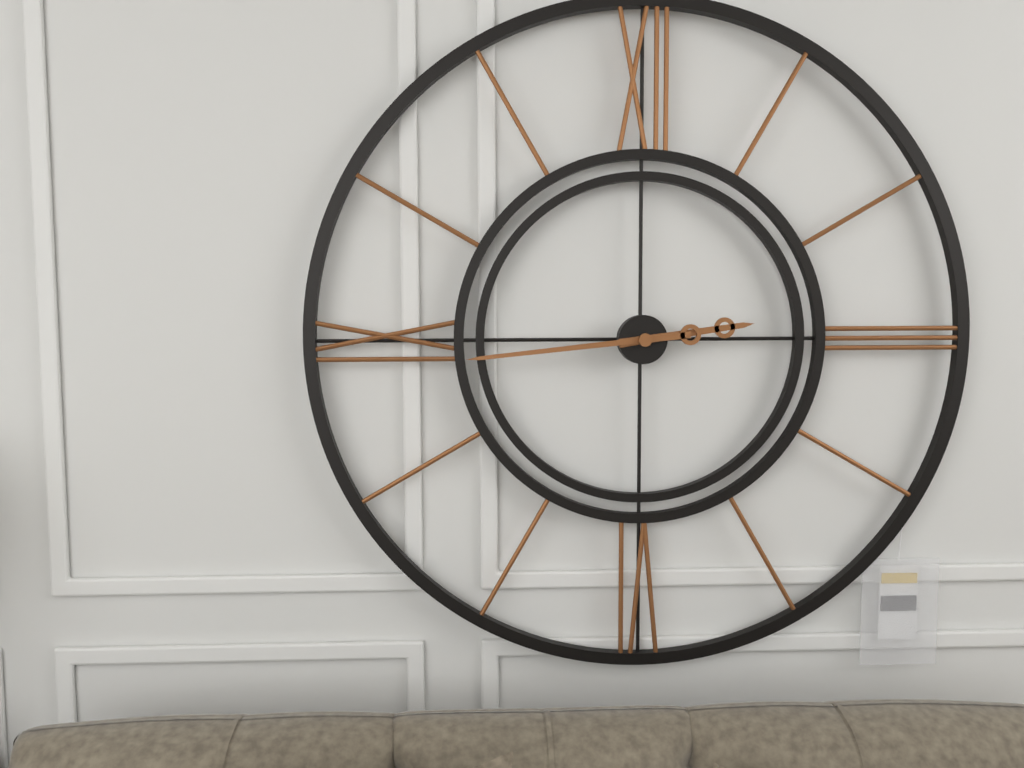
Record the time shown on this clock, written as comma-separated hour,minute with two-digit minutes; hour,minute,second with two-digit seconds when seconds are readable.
2,44
